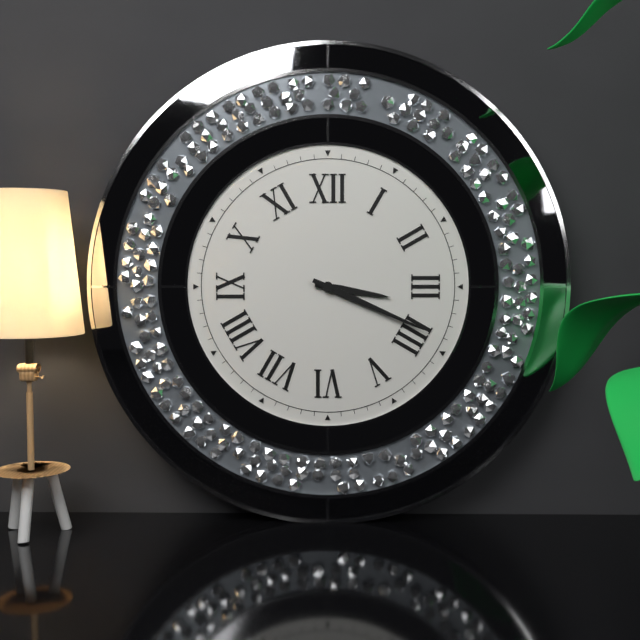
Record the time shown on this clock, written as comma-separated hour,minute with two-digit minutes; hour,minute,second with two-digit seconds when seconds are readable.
3,19
